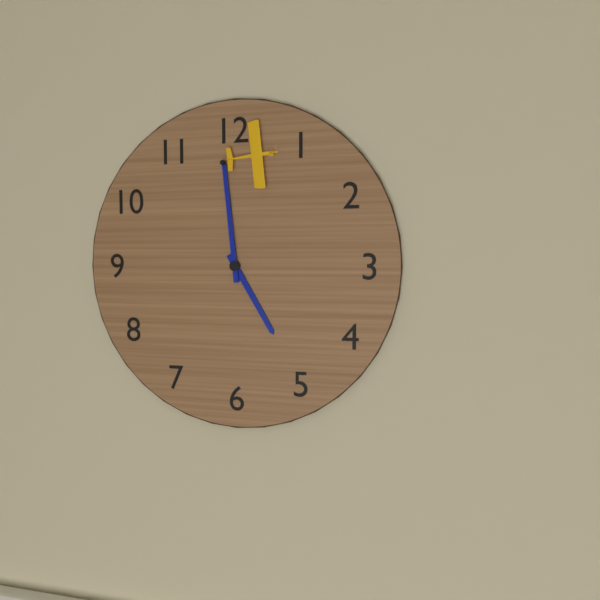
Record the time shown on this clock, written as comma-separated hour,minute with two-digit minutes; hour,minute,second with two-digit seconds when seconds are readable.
4,59
